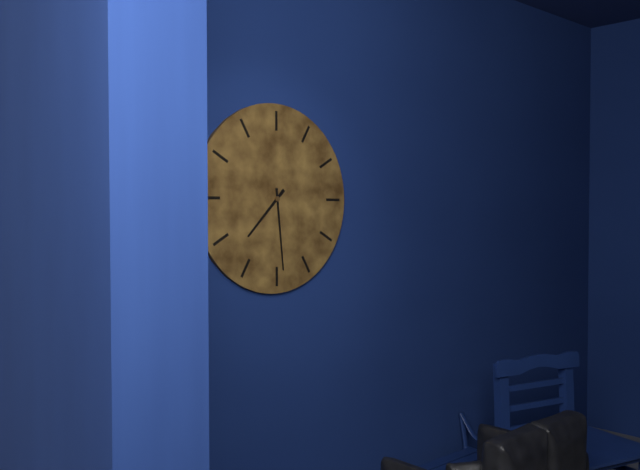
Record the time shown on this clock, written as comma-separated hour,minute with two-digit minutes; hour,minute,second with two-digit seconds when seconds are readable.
7,29
